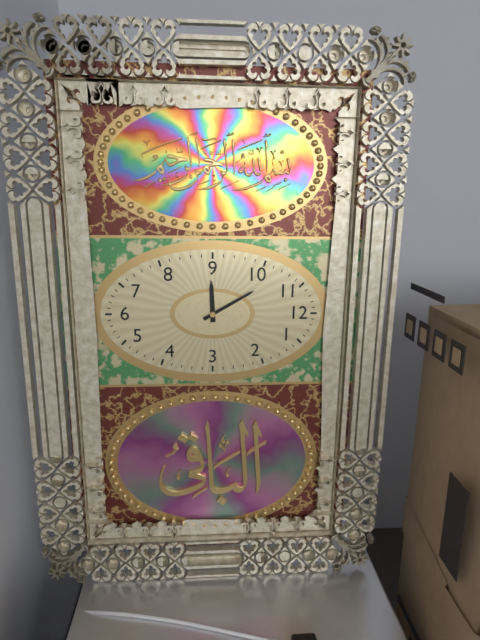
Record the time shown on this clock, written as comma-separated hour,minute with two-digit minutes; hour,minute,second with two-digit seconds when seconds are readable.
8,55
